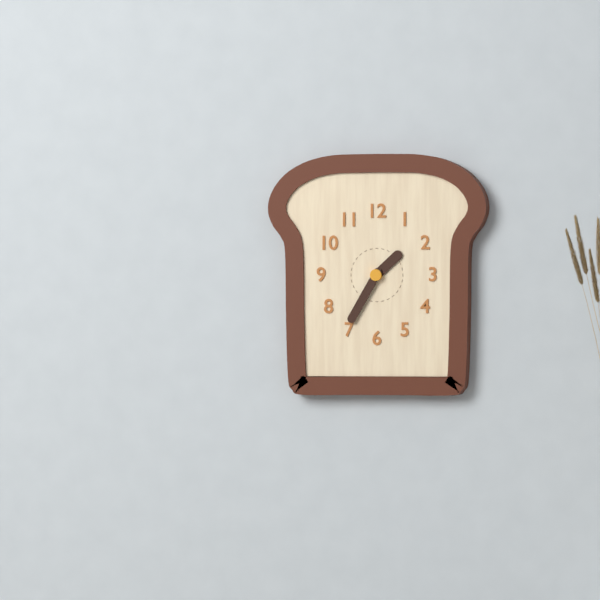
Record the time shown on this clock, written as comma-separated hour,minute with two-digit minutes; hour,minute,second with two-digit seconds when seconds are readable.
1,35
